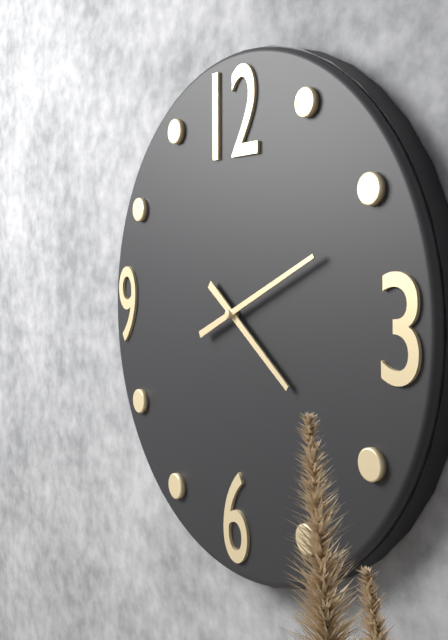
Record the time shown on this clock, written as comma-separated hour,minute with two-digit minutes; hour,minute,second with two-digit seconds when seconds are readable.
4,11
